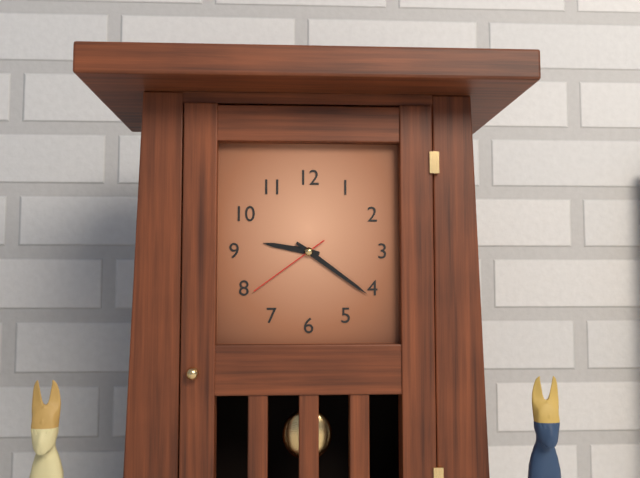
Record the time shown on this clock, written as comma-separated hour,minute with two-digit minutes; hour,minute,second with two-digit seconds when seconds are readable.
9,21,39
